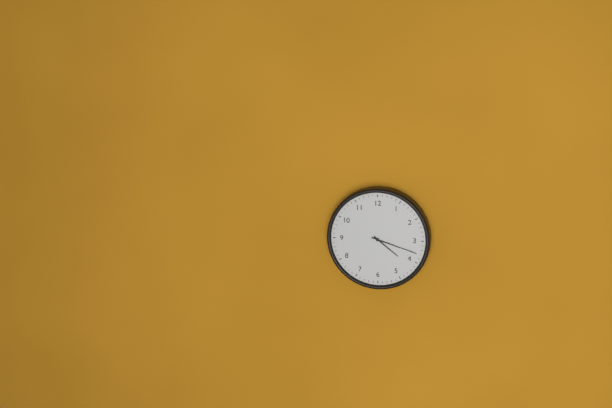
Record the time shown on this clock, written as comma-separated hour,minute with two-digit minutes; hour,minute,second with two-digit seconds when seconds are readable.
4,18
